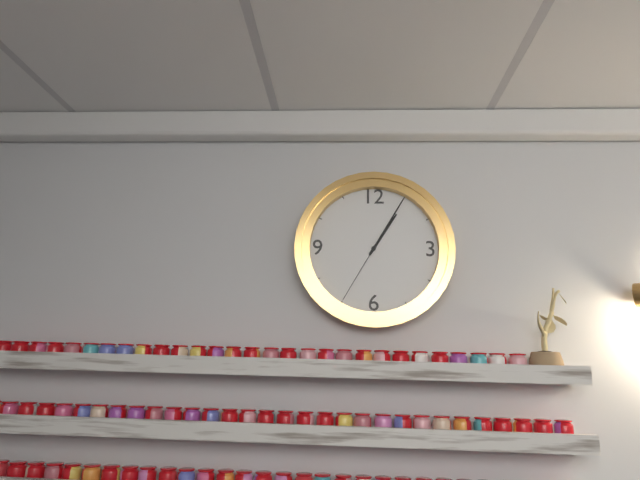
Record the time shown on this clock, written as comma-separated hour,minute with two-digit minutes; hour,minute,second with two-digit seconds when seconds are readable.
1,05,35
